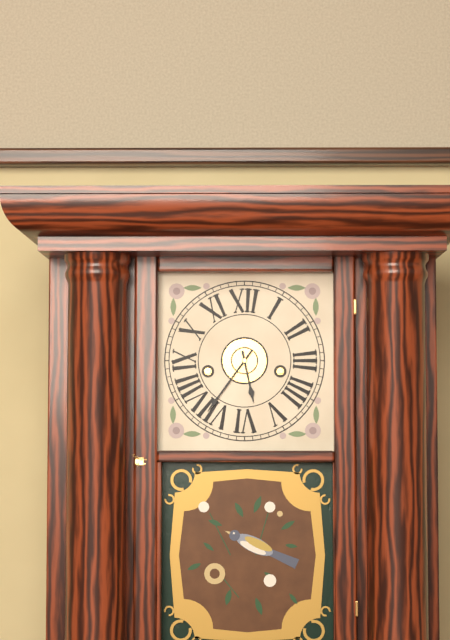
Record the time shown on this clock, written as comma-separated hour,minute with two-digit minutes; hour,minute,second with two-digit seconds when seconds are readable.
5,36
